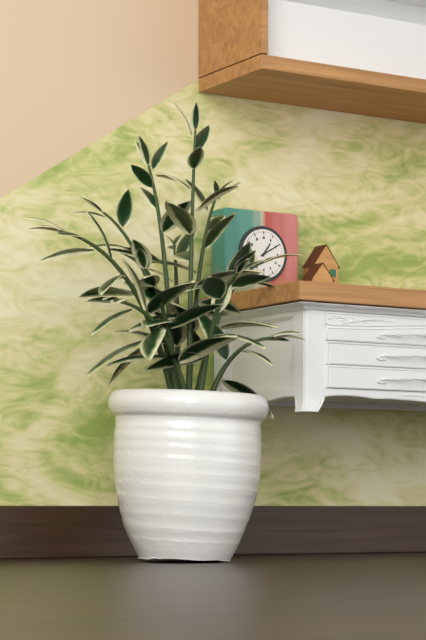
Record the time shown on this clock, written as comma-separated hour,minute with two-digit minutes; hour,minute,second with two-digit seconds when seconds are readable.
1,10
